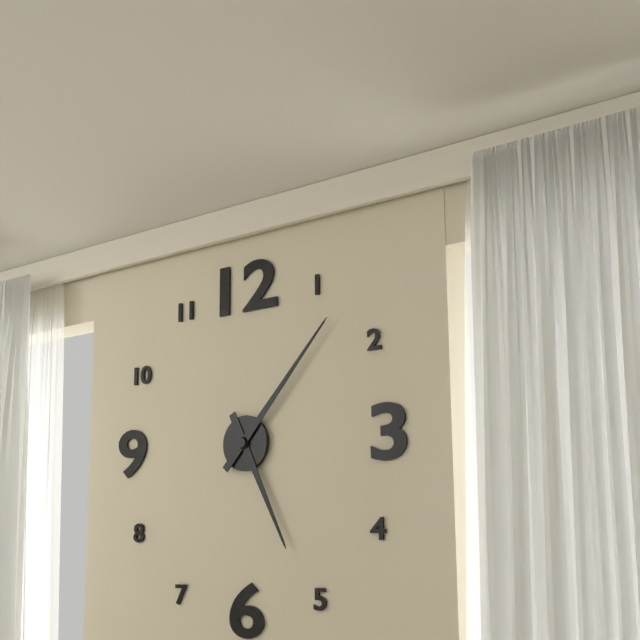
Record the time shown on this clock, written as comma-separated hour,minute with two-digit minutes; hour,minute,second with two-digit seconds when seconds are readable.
5,07
